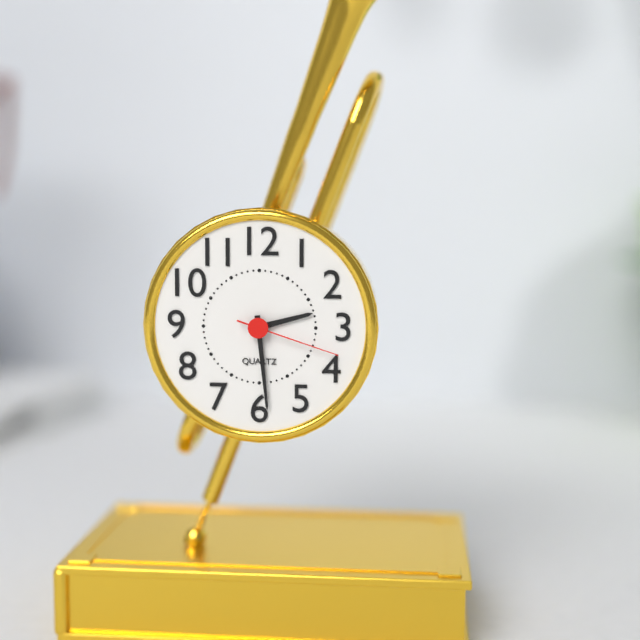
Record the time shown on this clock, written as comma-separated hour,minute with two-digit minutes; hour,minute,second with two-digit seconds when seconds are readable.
2,29,18
